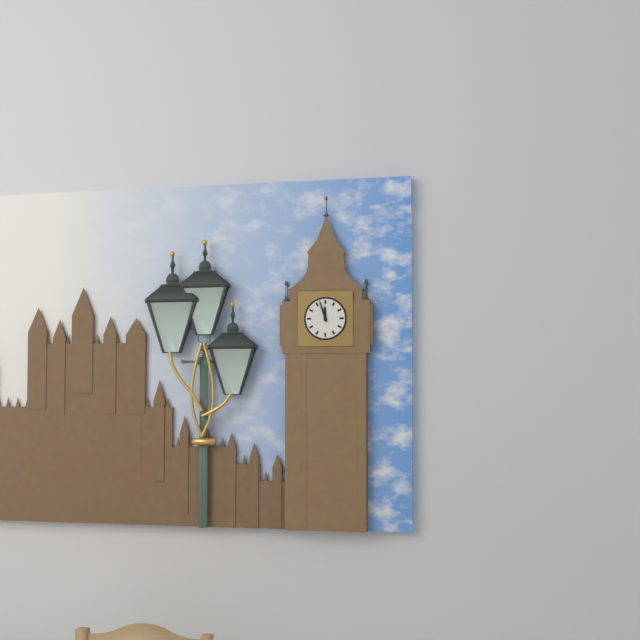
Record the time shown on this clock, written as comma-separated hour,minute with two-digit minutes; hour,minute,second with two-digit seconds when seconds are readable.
11,57
